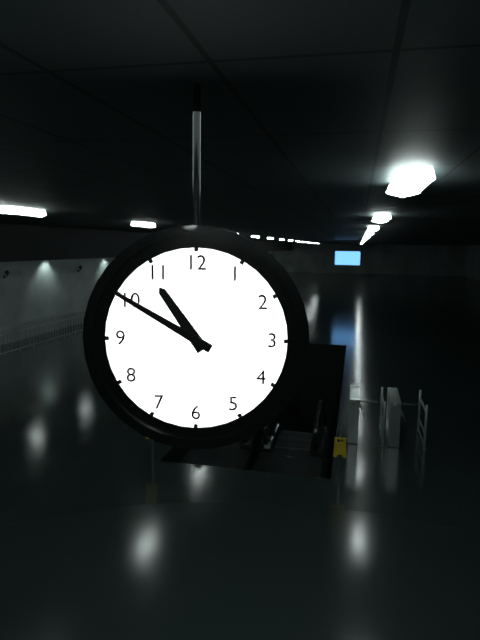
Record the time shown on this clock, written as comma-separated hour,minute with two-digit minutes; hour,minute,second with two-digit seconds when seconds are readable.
10,50
